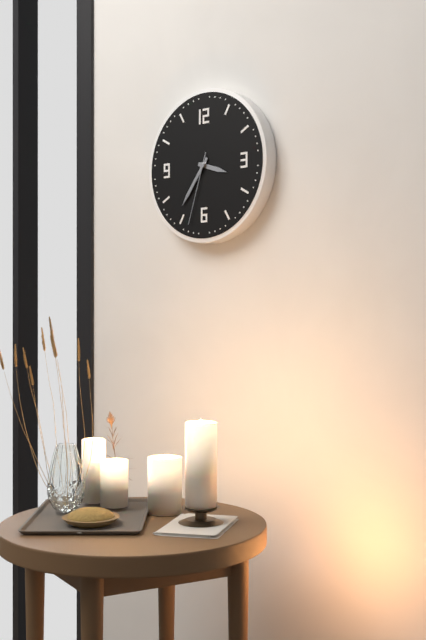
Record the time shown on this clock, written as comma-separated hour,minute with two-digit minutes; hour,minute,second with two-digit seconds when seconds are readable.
3,36,33
